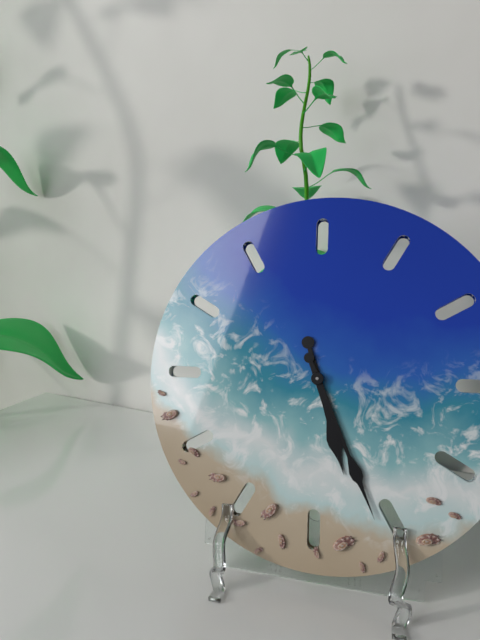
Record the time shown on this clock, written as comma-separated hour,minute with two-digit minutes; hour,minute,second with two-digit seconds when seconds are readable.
5,26
